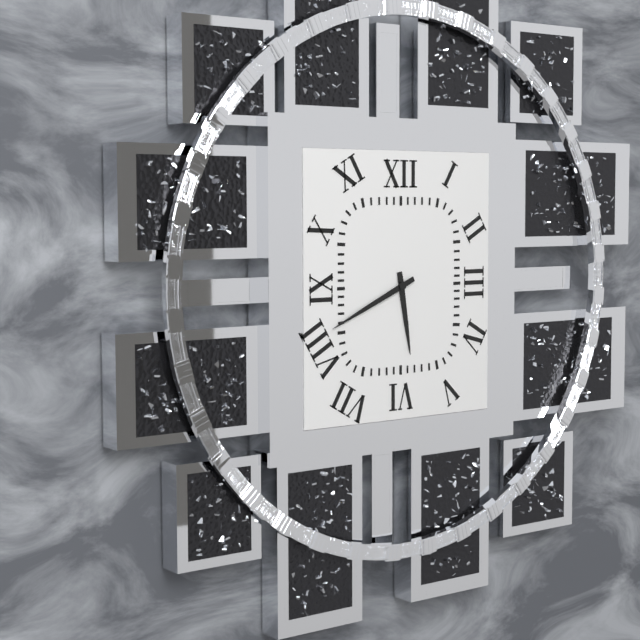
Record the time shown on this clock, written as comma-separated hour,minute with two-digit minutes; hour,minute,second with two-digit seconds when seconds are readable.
5,41
